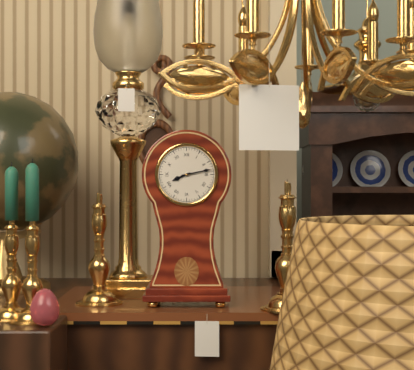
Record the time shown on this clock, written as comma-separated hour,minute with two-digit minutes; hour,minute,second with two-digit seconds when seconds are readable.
8,13
